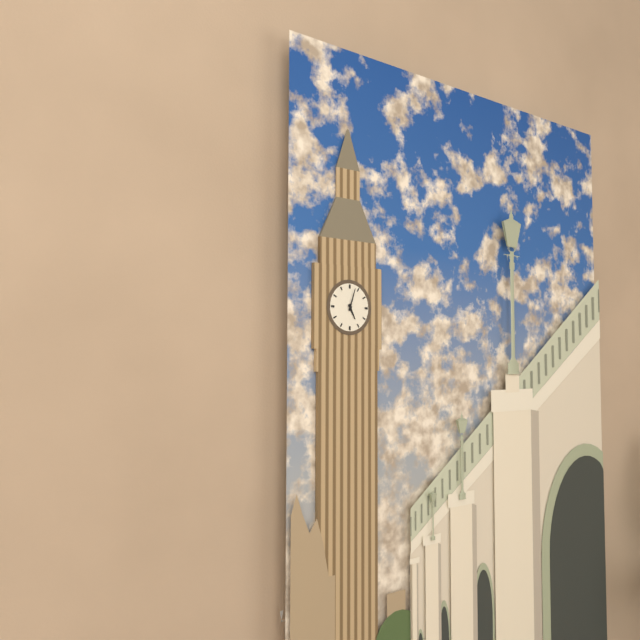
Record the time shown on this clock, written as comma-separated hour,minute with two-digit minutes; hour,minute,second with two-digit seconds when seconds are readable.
5,03
